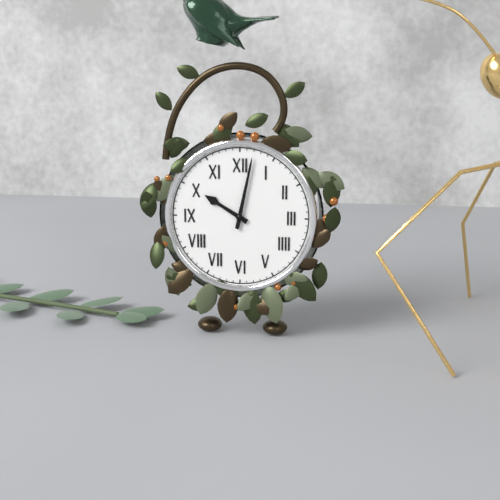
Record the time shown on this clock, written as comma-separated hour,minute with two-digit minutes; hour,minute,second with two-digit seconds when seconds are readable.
10,02
